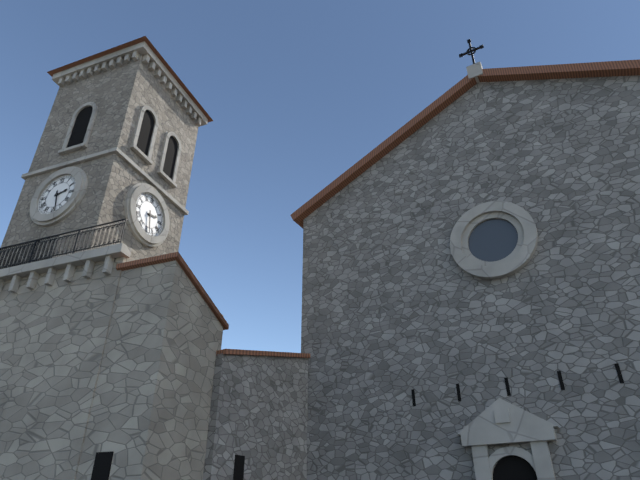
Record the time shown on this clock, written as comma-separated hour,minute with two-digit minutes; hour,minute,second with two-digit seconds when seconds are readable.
2,28
